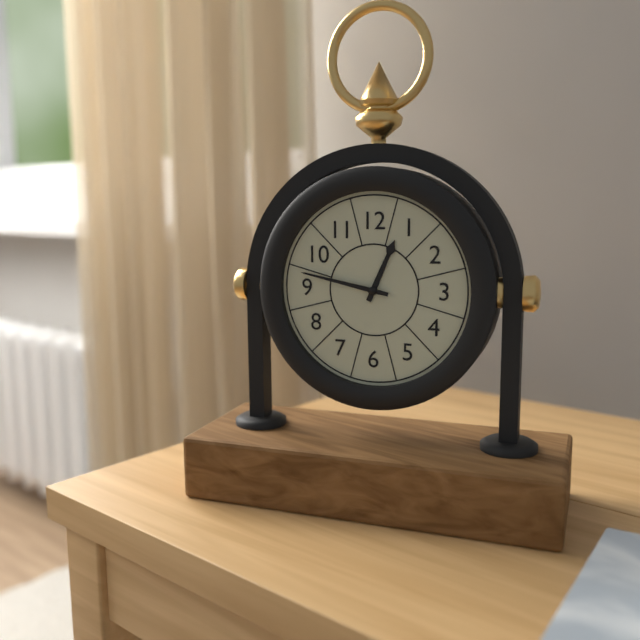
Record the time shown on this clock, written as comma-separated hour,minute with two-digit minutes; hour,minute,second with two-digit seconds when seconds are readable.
12,47
